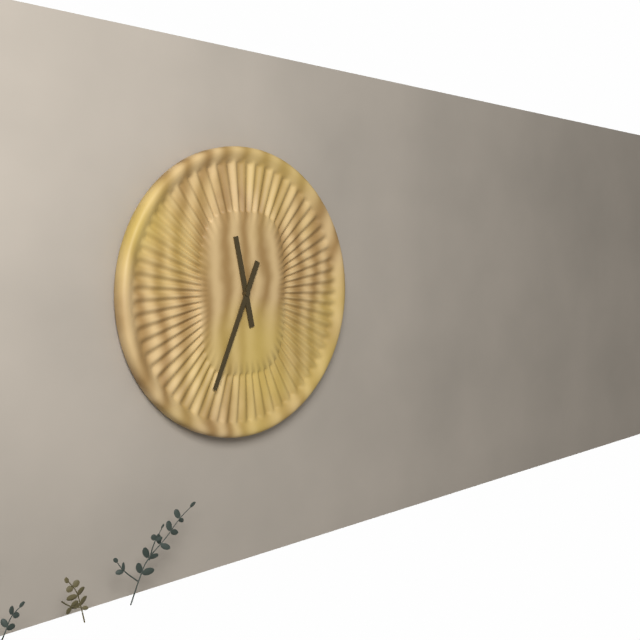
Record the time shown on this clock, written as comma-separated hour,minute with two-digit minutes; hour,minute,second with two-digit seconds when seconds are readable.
11,34
